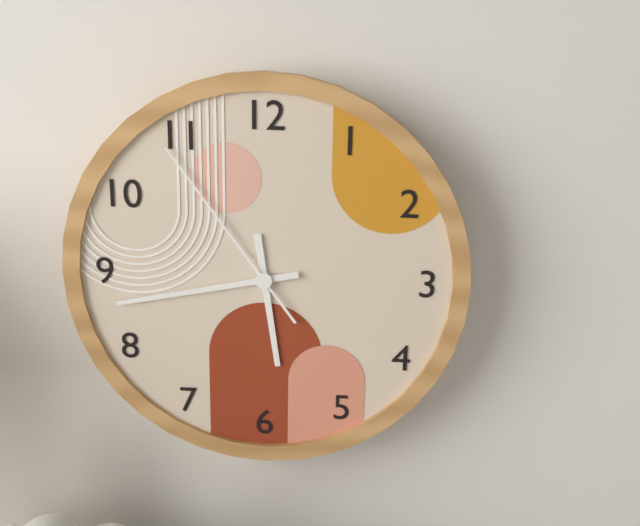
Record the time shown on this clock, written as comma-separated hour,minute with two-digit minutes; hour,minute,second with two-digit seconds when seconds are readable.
5,43,54
